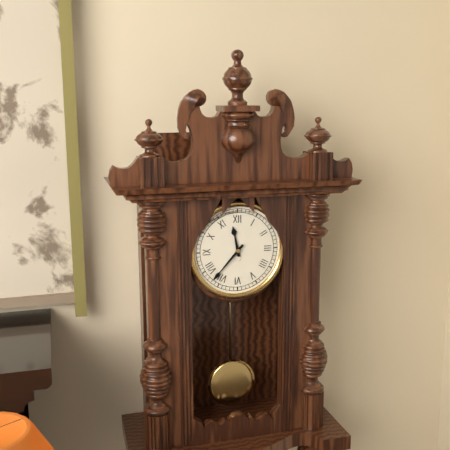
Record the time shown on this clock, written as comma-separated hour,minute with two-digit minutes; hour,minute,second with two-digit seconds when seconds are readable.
11,37
